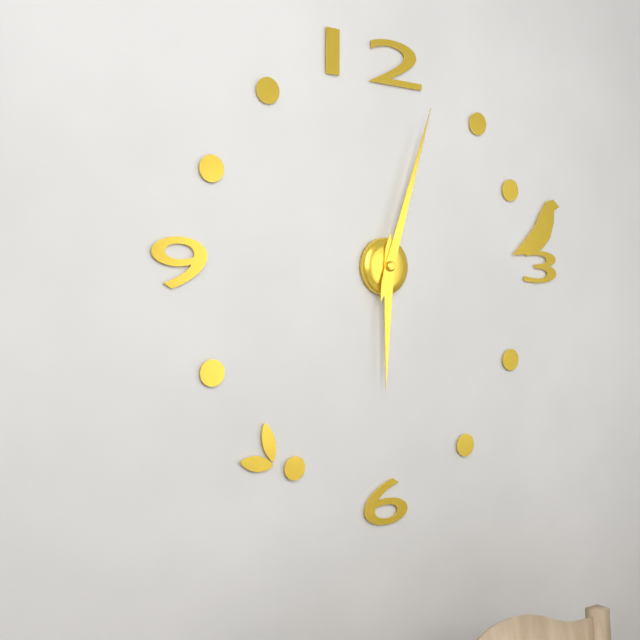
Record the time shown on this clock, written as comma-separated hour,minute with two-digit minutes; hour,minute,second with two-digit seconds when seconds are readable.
6,03
